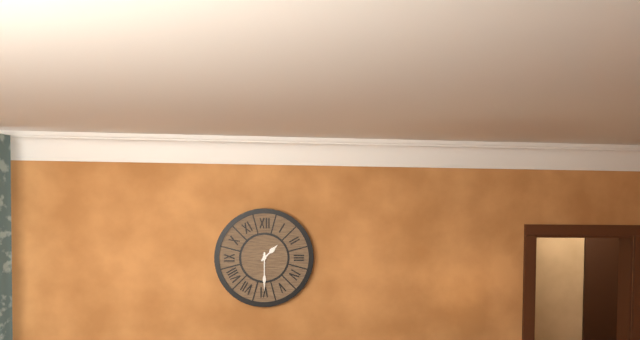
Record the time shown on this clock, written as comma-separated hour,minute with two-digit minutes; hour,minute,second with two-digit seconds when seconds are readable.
1,30
